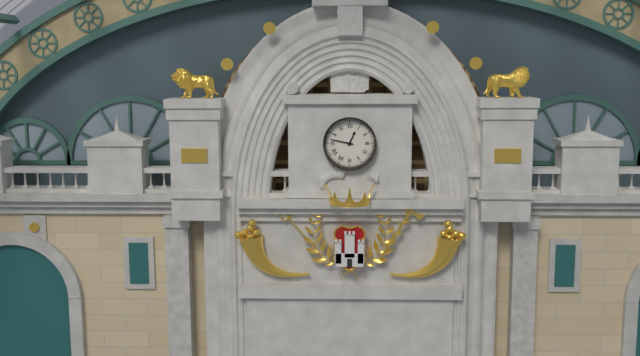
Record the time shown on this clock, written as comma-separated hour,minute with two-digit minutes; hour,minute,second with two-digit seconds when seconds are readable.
12,47
